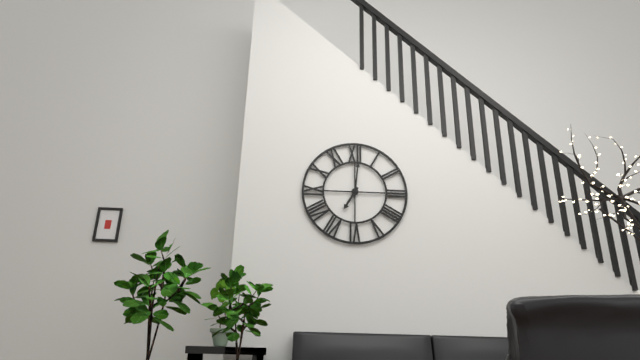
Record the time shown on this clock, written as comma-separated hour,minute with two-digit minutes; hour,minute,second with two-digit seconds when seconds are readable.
7,01
